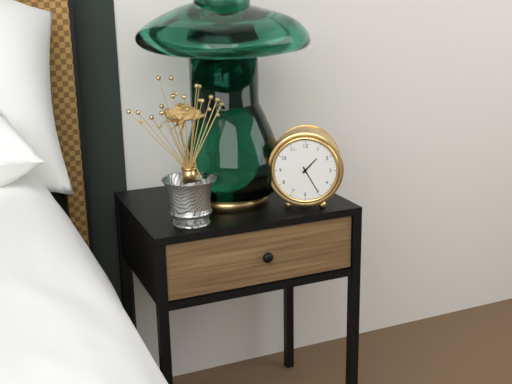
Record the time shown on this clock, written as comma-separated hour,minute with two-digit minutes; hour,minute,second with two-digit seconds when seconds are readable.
1,25
